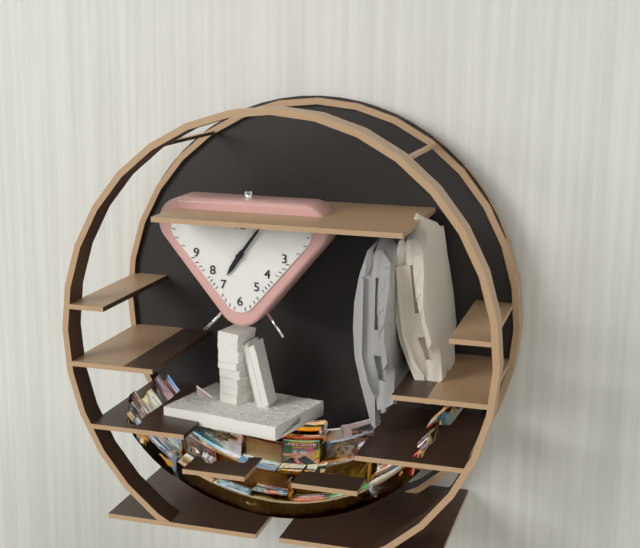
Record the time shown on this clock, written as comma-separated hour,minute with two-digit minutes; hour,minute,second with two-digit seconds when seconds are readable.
7,06
